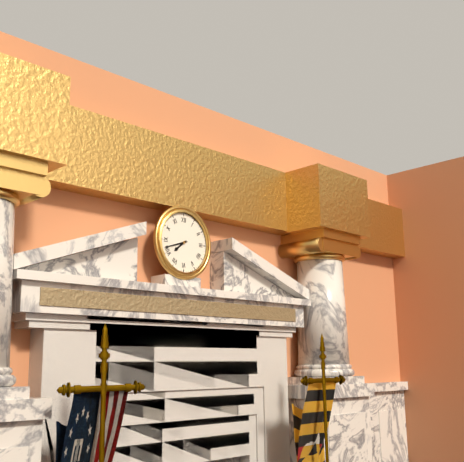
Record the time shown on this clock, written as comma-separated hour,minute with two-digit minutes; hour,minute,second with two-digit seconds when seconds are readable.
7,42
